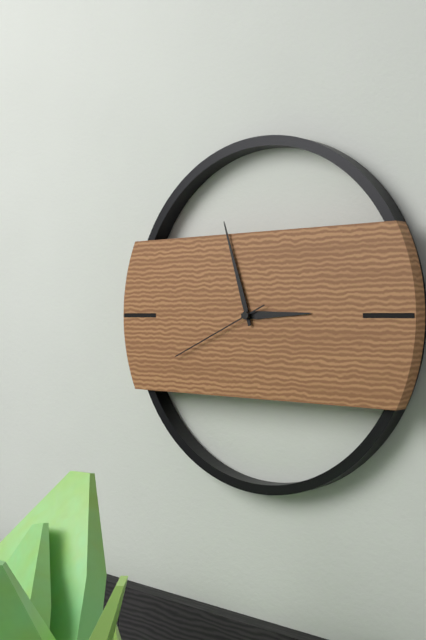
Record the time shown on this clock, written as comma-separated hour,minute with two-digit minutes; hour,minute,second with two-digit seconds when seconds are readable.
2,57,41
